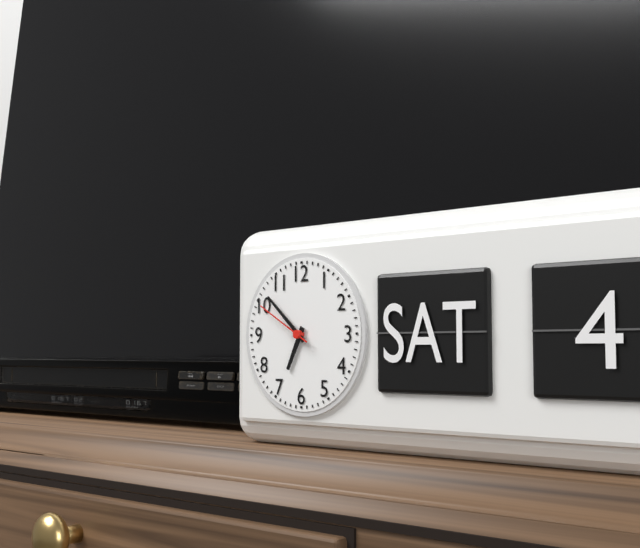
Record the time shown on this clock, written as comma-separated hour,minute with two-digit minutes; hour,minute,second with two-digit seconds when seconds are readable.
6,52,50
